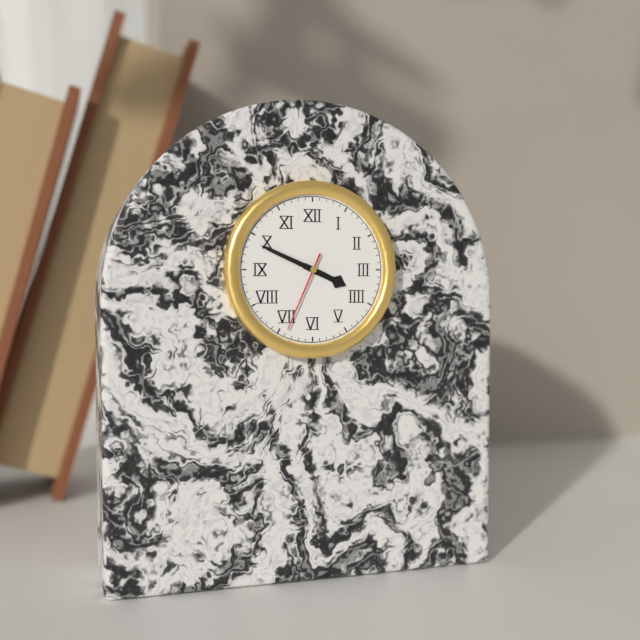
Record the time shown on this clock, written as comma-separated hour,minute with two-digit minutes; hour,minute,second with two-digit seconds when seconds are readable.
3,49,34
